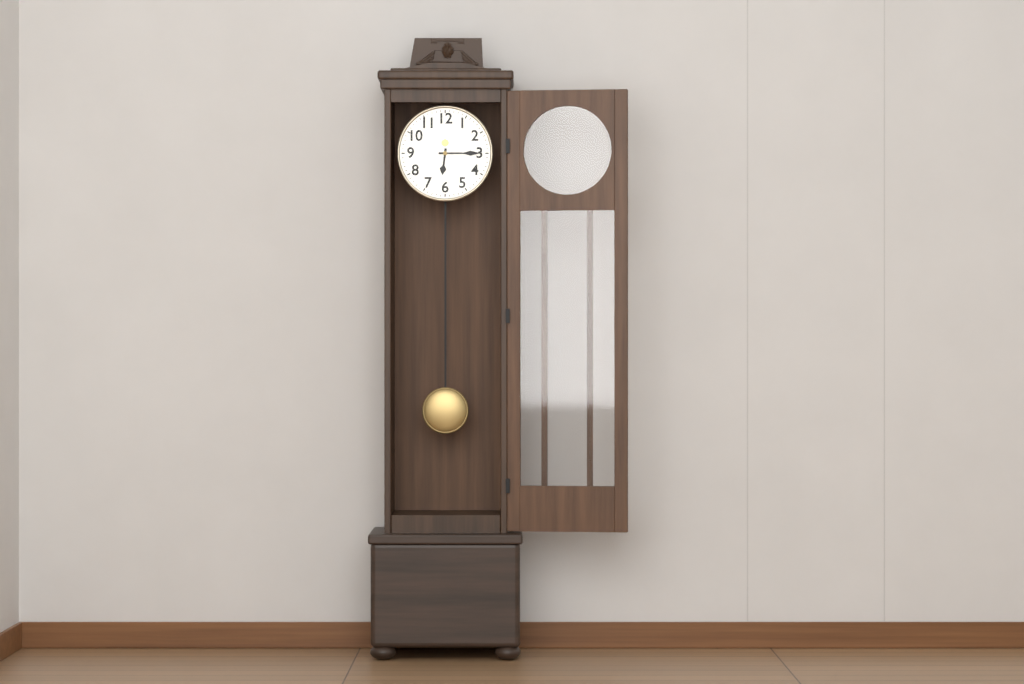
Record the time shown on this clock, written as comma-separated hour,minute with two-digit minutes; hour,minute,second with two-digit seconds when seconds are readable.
6,15
